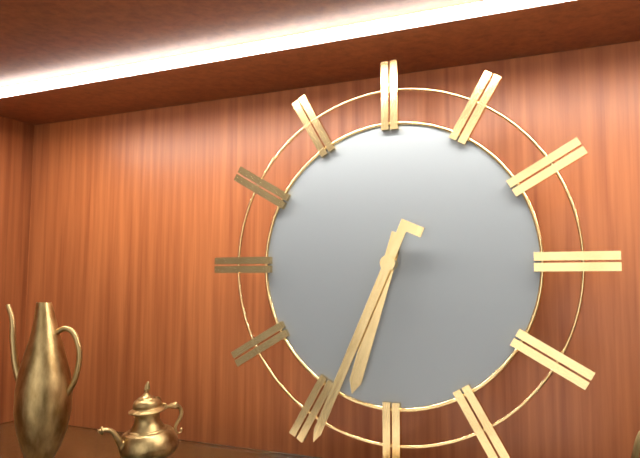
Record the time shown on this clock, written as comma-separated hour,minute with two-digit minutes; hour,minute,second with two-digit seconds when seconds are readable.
6,34
